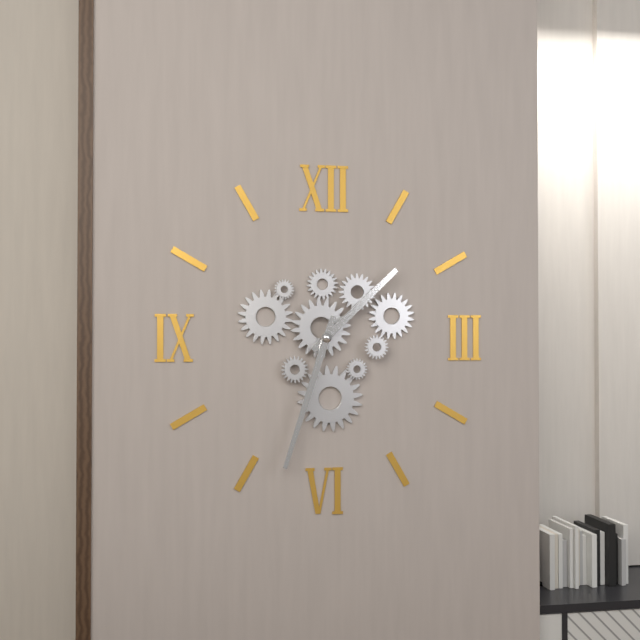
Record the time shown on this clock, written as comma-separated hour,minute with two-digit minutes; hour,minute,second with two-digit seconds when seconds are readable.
1,33
